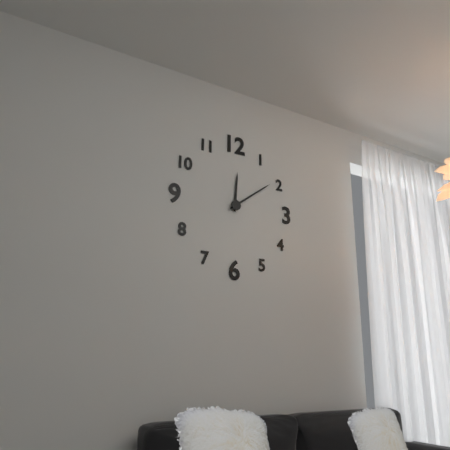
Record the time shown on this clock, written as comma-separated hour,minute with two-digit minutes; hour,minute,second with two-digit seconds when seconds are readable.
12,09
